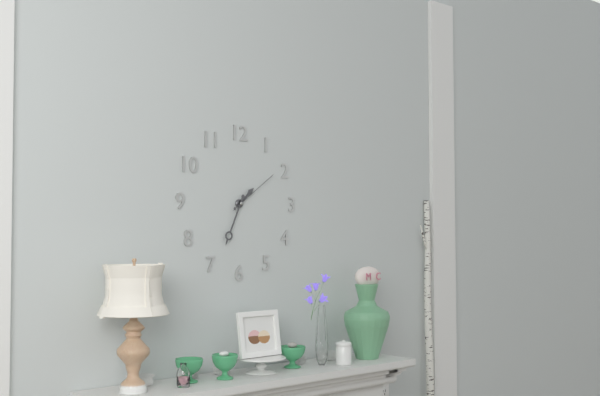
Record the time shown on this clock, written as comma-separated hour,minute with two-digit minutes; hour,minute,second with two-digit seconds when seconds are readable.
1,34,09
